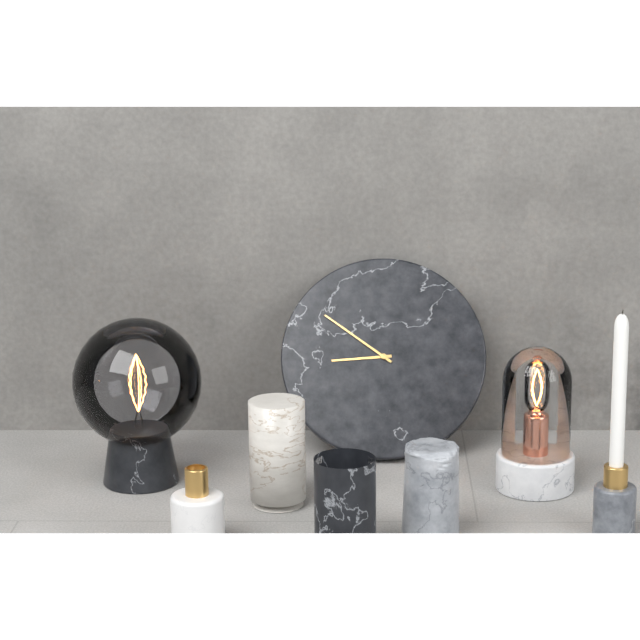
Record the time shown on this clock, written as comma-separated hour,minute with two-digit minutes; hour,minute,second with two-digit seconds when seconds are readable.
8,51
